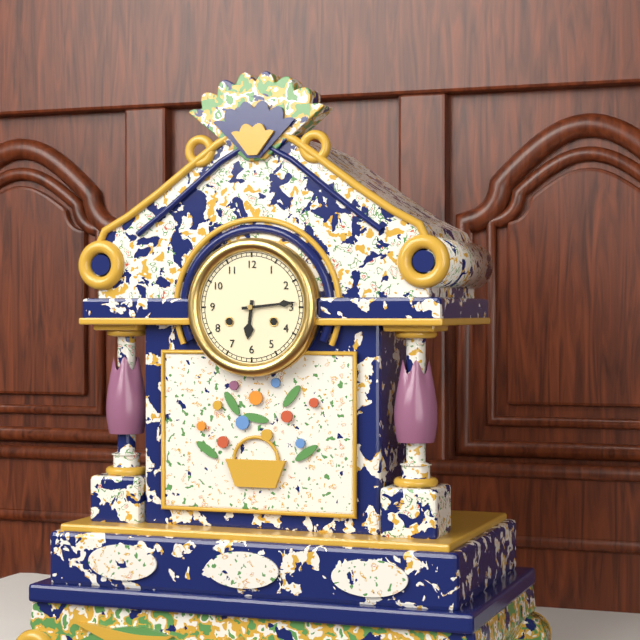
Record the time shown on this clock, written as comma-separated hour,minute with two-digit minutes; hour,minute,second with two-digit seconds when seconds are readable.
6,14
